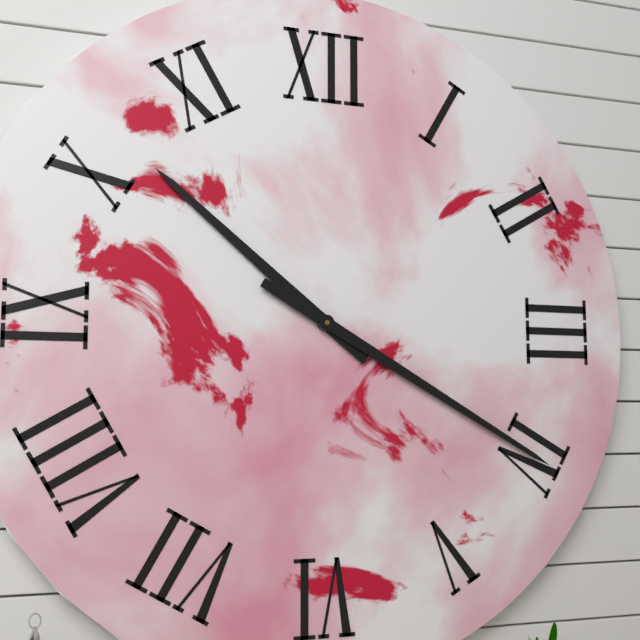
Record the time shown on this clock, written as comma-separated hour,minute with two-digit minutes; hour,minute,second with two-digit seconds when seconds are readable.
10,20
